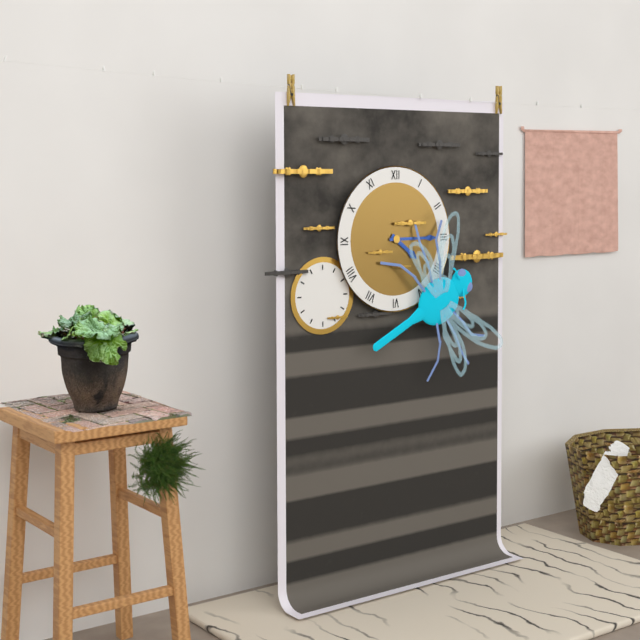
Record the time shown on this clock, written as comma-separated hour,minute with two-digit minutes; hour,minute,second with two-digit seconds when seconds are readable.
4,15
